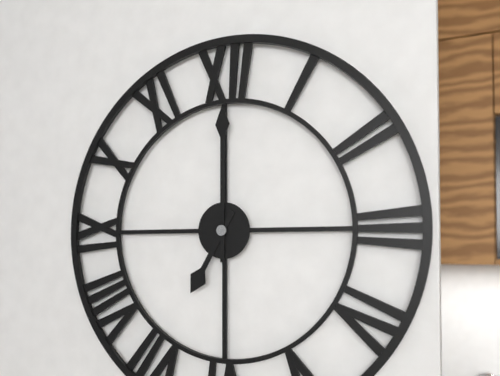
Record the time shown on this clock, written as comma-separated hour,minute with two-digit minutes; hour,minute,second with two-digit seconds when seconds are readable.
7,00
